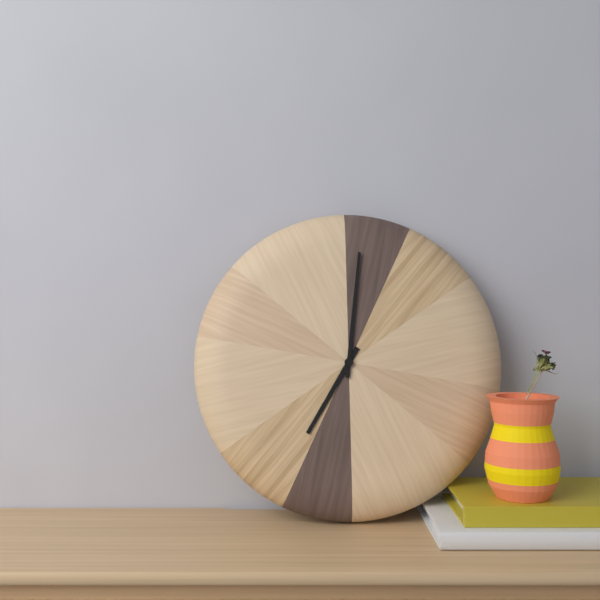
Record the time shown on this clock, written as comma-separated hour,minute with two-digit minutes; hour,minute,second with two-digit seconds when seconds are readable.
7,01
